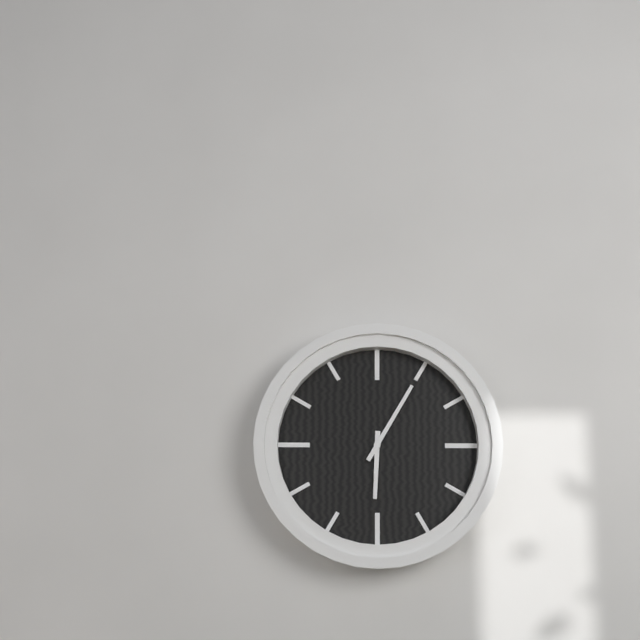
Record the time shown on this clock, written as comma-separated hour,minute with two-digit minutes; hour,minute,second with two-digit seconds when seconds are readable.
6,05
